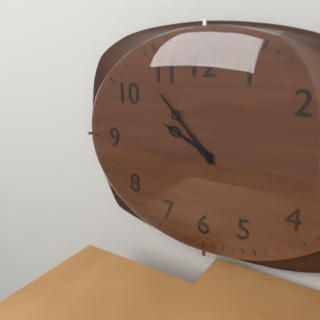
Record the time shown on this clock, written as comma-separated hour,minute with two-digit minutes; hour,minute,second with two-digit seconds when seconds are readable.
9,53
